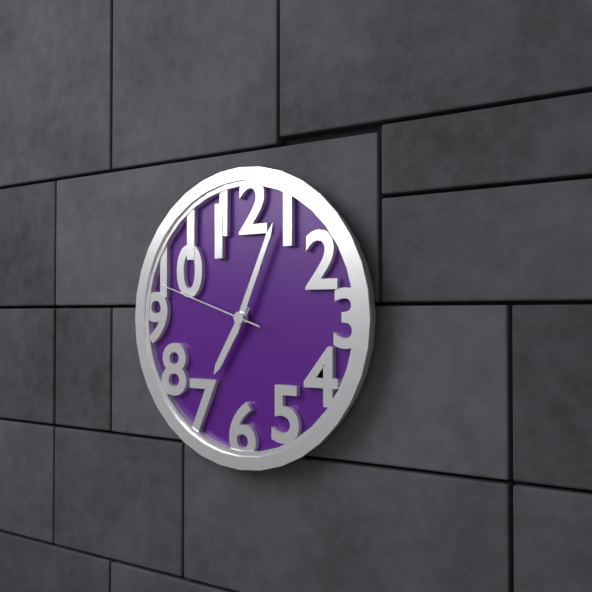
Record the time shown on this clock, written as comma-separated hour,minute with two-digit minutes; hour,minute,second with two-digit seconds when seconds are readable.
7,04,48
